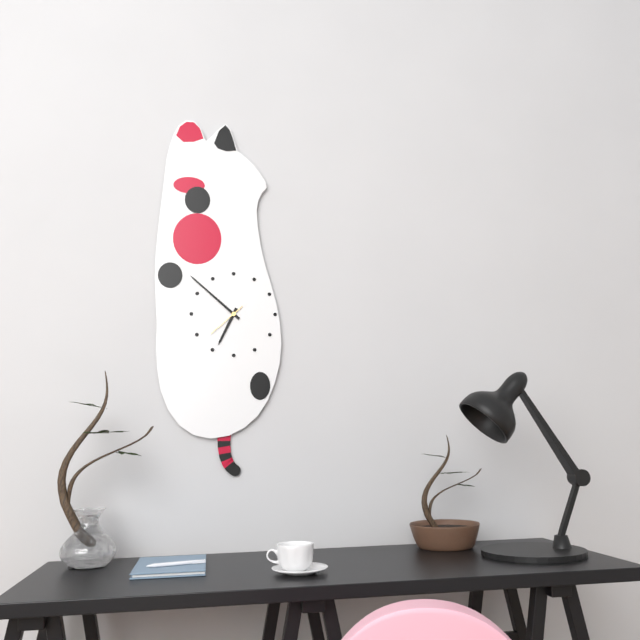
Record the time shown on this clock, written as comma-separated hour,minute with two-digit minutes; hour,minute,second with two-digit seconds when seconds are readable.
6,52
